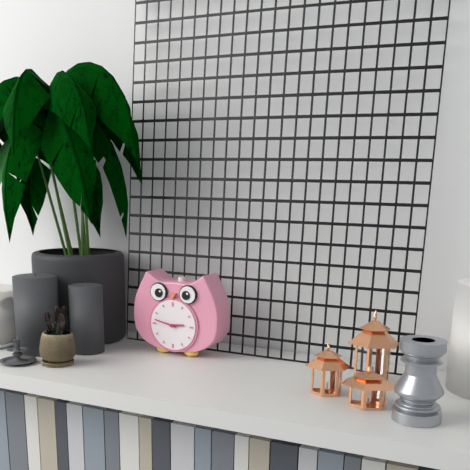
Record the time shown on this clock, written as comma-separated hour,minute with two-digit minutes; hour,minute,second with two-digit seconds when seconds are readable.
2,47
